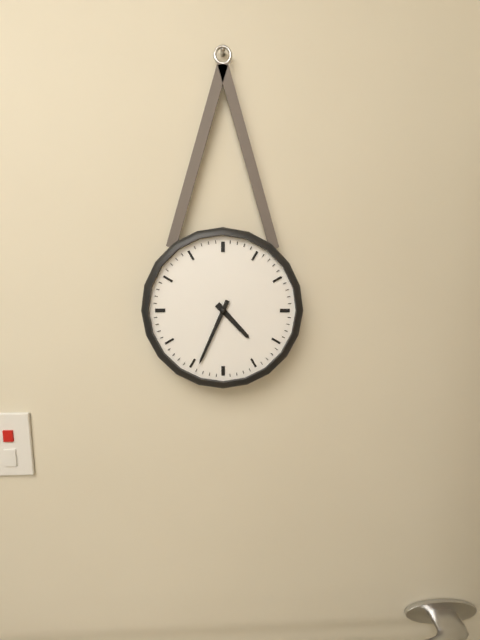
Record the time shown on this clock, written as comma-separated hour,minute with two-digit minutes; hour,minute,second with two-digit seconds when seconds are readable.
4,34
